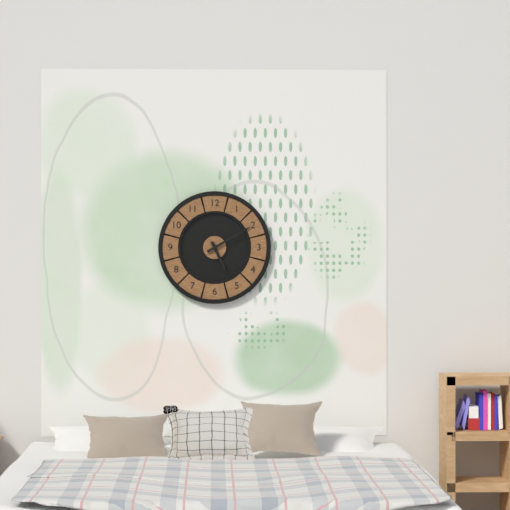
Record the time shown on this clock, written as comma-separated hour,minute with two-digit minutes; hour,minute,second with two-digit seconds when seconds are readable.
5,10
